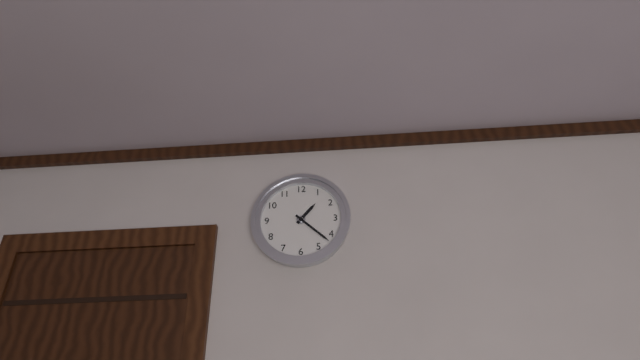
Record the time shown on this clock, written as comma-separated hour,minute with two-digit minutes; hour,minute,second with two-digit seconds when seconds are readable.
1,22
